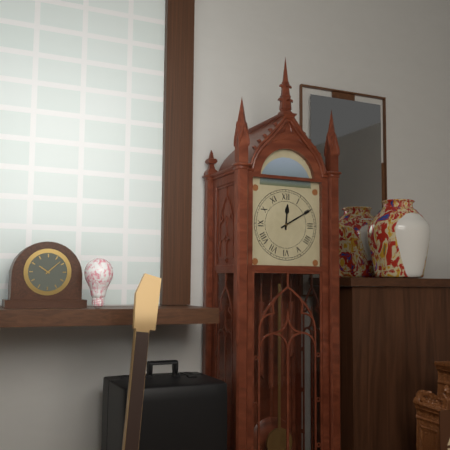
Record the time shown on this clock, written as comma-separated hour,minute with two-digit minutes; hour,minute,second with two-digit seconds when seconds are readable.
12,10
